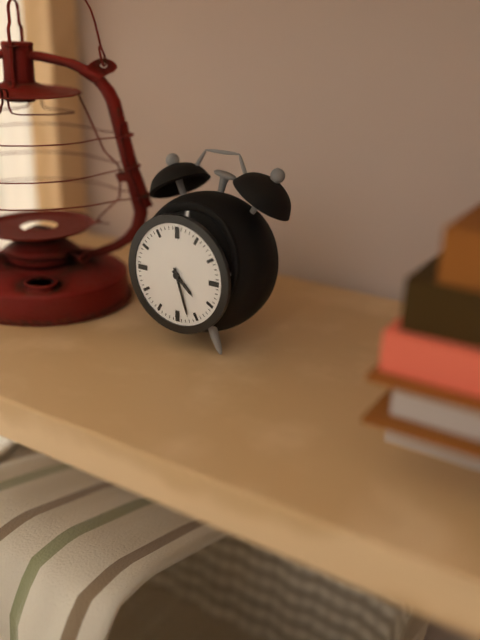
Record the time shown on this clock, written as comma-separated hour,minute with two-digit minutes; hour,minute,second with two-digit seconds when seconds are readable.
4,27
